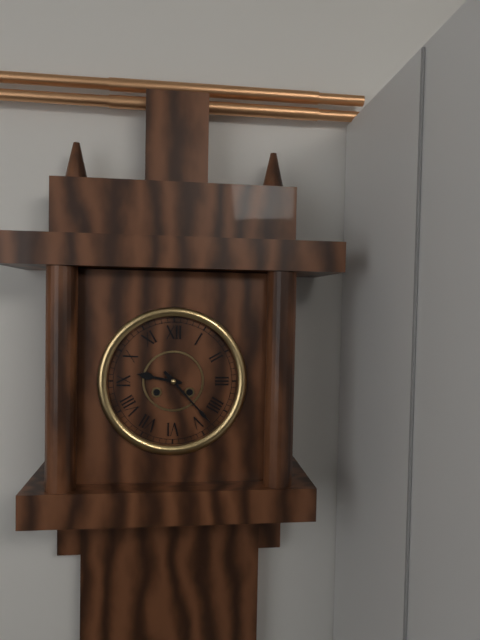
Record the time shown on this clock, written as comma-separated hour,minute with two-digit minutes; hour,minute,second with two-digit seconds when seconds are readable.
9,23
